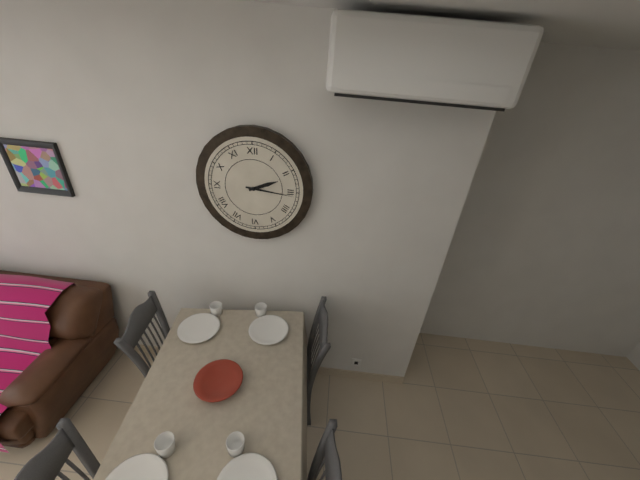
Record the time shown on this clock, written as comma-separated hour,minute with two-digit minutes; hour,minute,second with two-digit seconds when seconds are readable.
2,16
